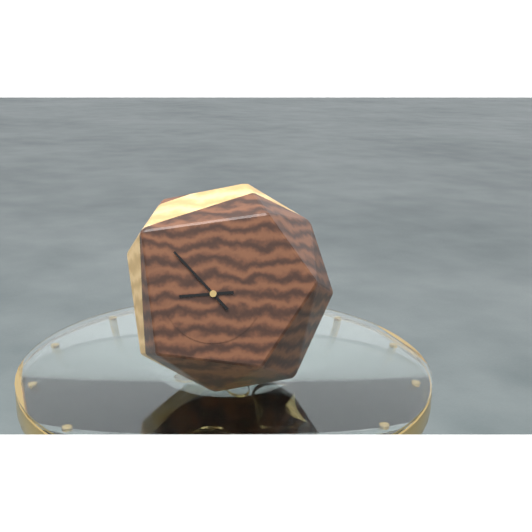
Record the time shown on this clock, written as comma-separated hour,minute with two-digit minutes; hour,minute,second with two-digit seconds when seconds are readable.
8,53
